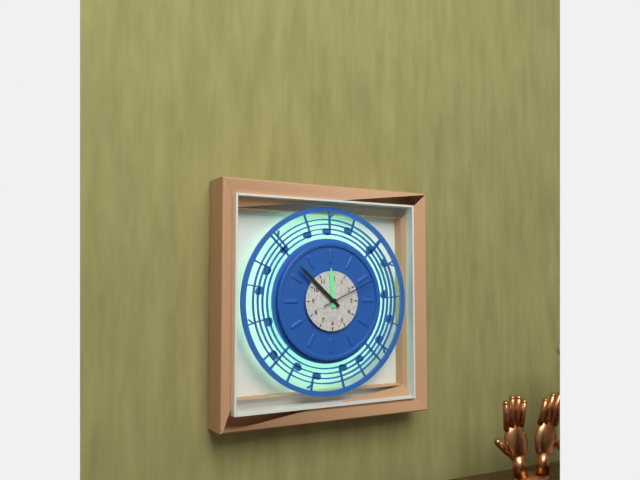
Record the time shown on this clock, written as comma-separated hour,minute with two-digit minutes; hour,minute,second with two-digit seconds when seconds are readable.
11,52,11
